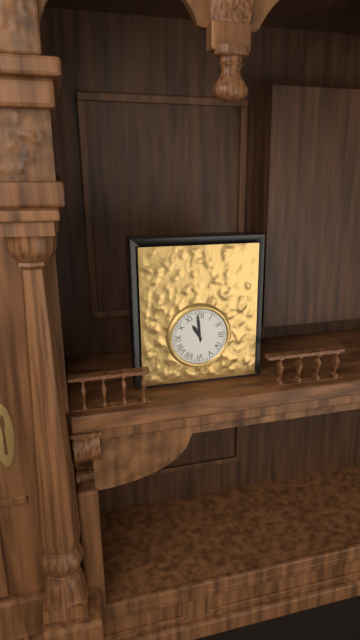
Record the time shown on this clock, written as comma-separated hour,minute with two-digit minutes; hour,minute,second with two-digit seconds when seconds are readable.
10,59
